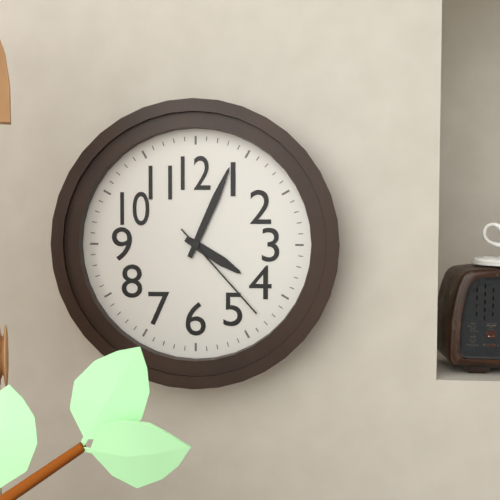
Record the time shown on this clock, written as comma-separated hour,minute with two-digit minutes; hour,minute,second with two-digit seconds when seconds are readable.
4,04,23
